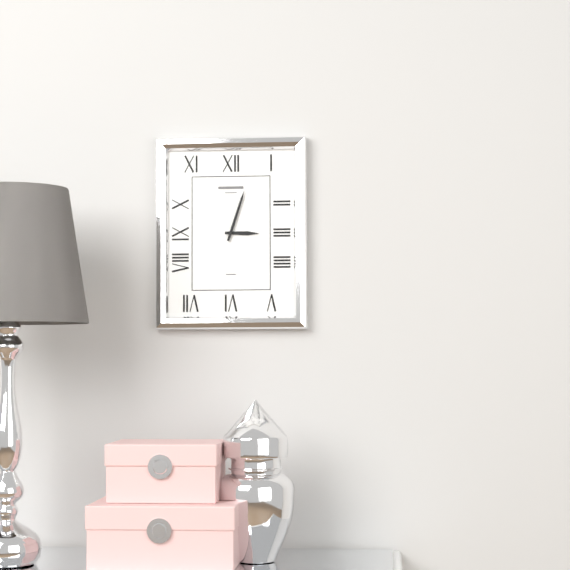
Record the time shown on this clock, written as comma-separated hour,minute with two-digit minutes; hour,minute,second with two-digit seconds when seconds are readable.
3,03
